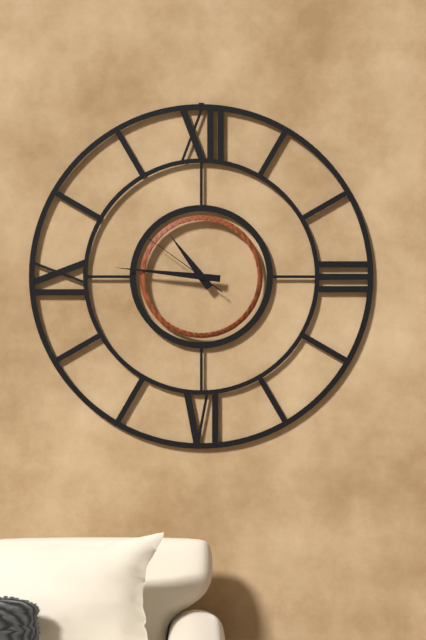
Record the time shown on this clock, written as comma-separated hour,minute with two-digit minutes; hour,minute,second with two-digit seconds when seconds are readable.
10,46,51
